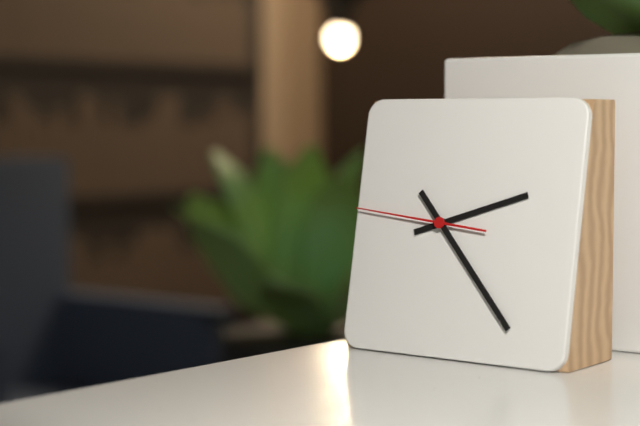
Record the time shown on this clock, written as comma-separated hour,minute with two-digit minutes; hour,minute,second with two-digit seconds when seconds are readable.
2,23,46
